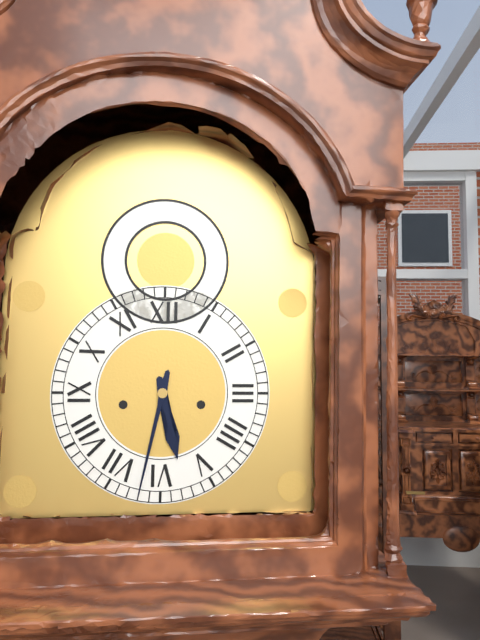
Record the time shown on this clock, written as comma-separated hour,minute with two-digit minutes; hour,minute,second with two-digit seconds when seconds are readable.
5,32
